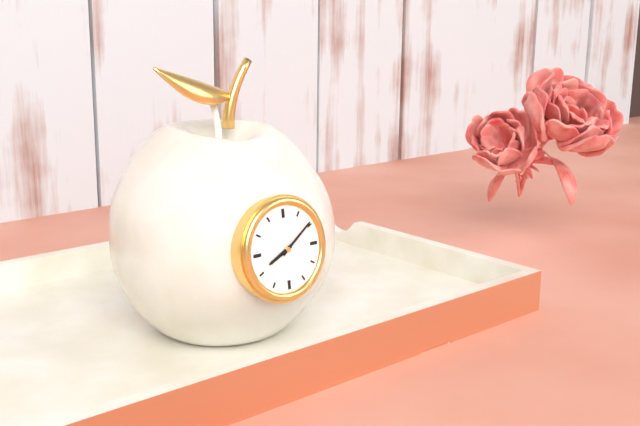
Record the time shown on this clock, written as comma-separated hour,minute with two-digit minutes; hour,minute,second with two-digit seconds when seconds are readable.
8,09
